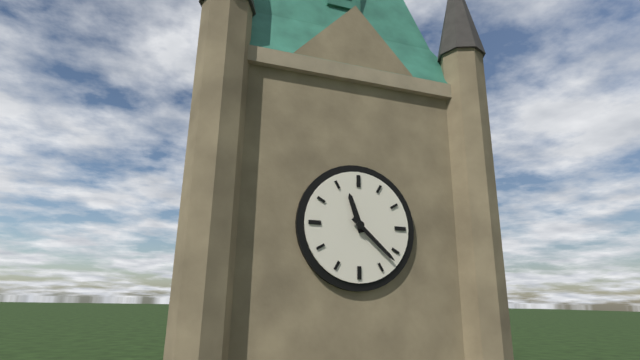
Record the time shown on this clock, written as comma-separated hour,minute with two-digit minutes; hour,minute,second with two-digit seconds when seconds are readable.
11,22
